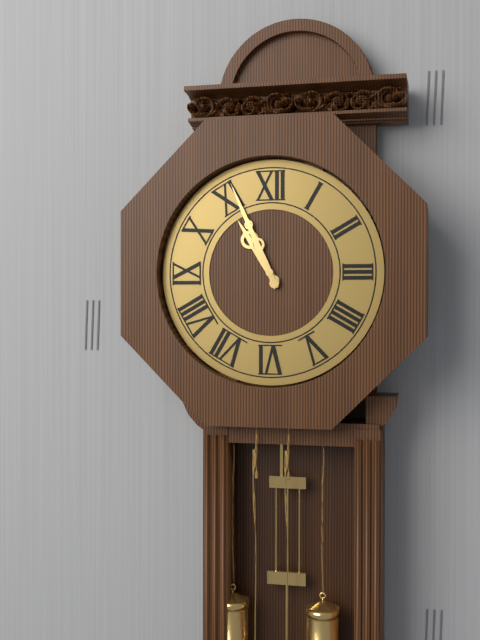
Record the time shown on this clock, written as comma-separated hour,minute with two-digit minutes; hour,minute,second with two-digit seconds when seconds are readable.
10,56
